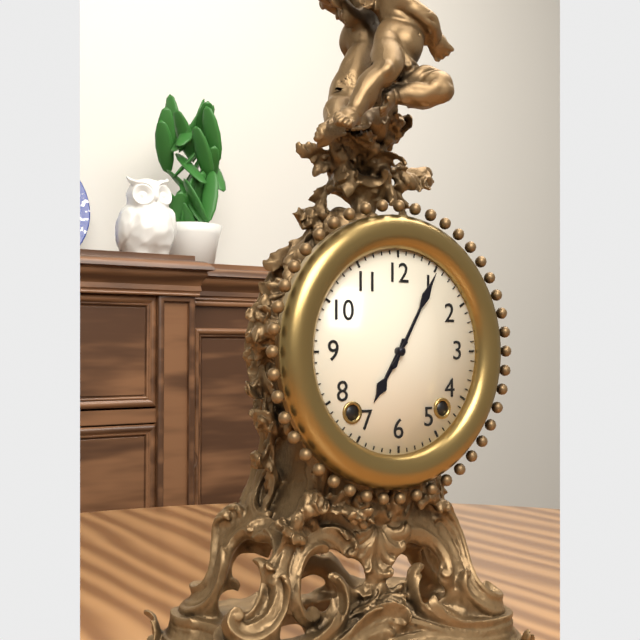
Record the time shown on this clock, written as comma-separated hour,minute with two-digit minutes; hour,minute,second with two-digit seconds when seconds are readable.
7,05
